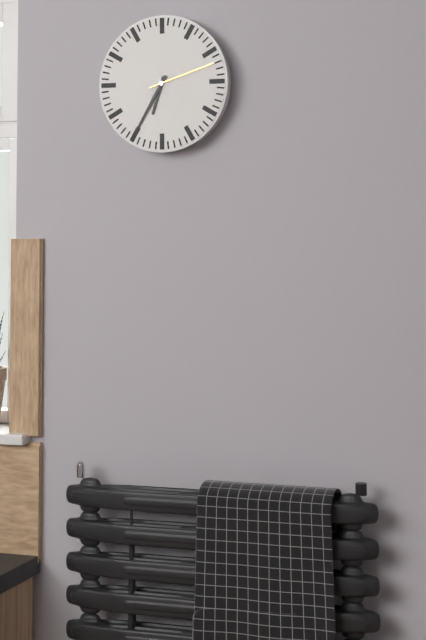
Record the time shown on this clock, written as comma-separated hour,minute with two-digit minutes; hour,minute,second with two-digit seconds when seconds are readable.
6,35,12
